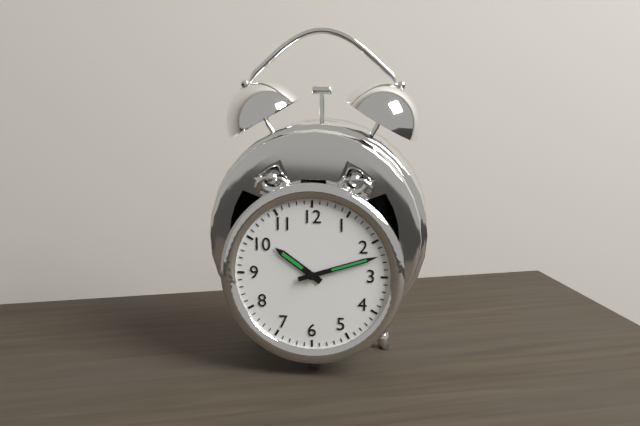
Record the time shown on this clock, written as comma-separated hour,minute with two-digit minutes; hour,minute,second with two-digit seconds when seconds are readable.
10,12
